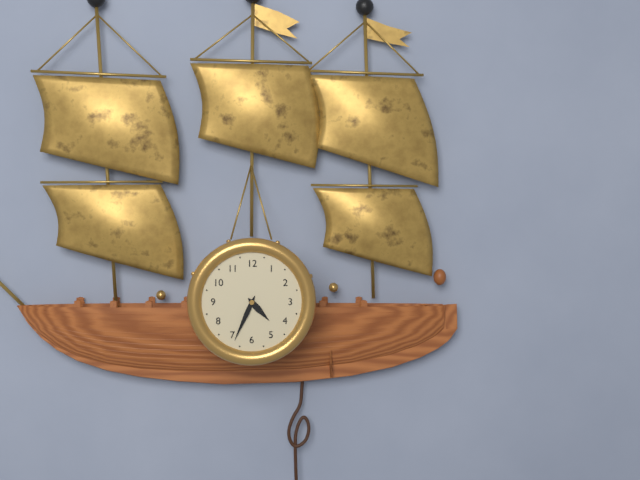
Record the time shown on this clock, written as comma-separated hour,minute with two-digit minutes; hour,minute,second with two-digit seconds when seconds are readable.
4,34
